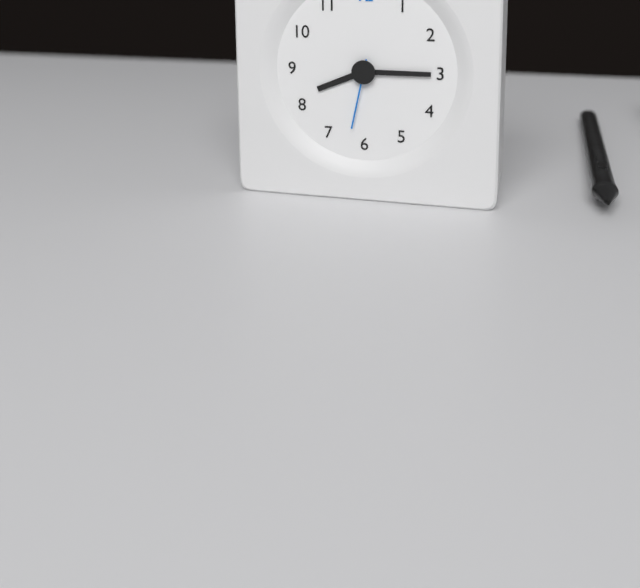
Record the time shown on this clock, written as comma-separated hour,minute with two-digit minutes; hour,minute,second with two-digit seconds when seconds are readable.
8,15,32
